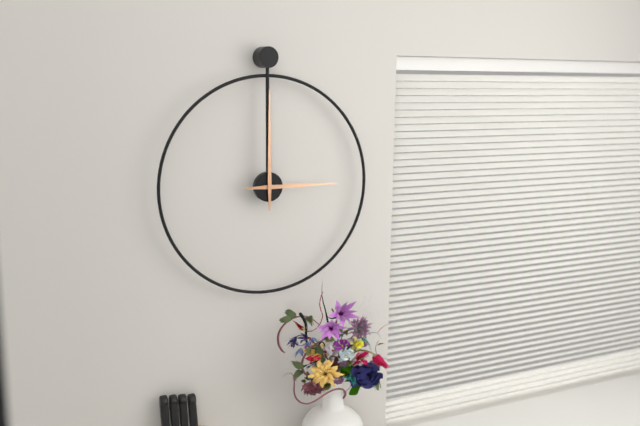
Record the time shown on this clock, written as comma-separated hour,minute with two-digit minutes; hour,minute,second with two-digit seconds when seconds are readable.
3,00
